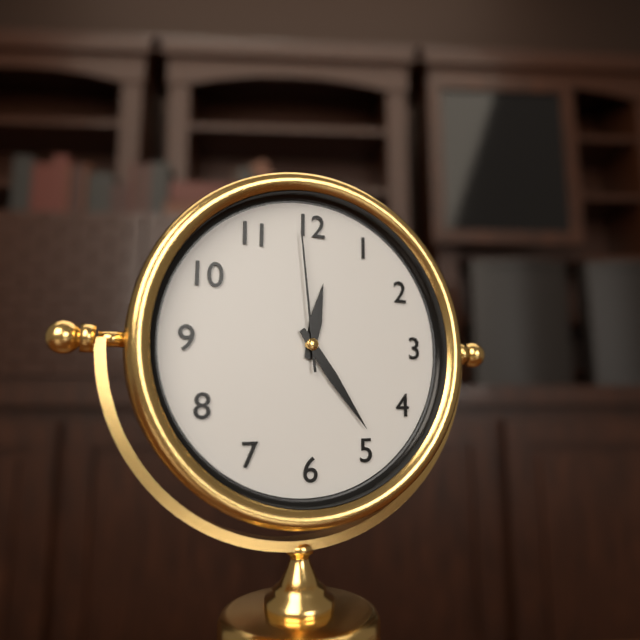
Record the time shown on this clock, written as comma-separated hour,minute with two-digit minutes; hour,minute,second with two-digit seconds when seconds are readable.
12,24,59
